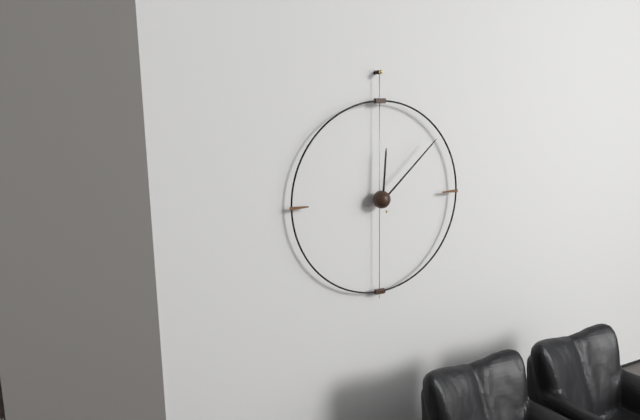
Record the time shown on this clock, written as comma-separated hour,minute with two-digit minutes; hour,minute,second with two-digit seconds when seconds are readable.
12,08
